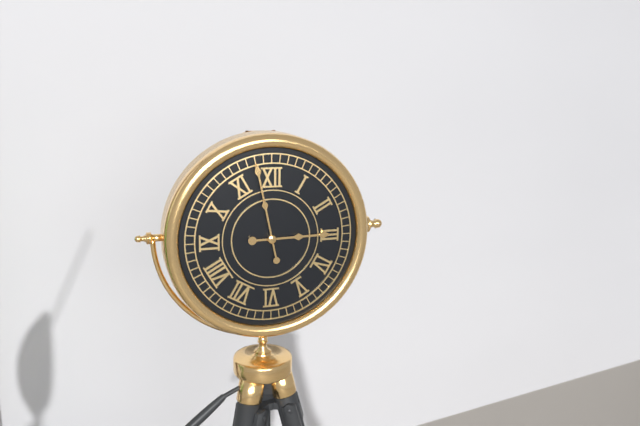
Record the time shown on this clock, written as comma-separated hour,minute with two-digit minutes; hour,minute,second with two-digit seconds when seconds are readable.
2,58
